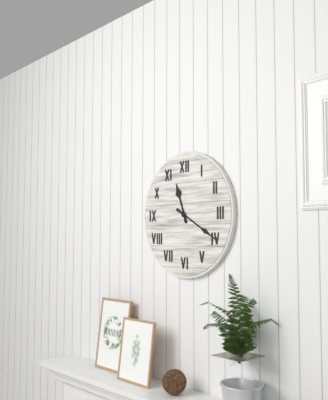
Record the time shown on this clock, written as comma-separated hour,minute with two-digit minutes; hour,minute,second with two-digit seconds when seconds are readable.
11,20
